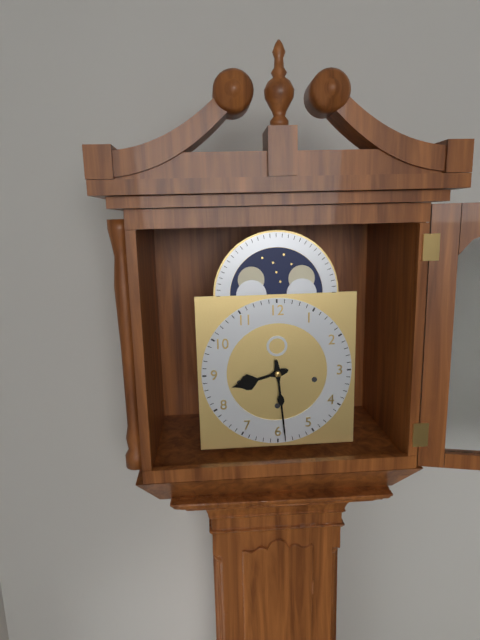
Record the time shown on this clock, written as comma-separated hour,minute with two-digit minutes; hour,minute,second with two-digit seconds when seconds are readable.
8,29
